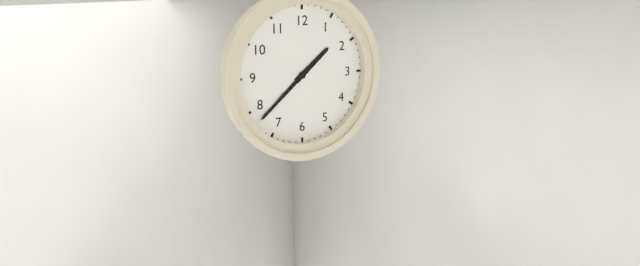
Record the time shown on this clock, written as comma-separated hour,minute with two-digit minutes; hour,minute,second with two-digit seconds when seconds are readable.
1,38
